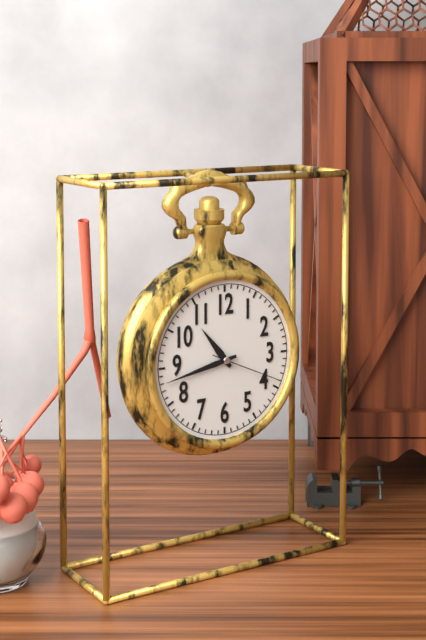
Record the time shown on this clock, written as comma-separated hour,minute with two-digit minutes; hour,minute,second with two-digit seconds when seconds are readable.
10,43,19
